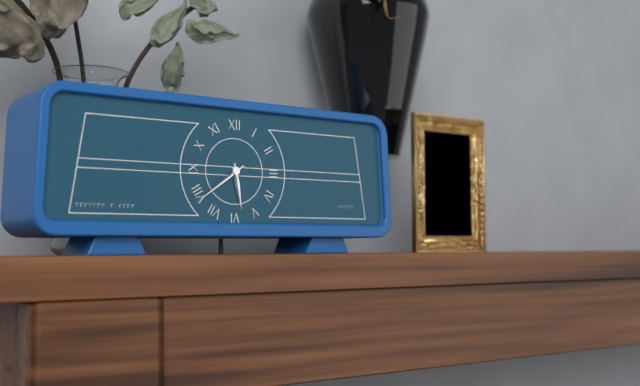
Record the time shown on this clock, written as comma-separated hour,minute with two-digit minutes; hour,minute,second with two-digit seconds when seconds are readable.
5,39
